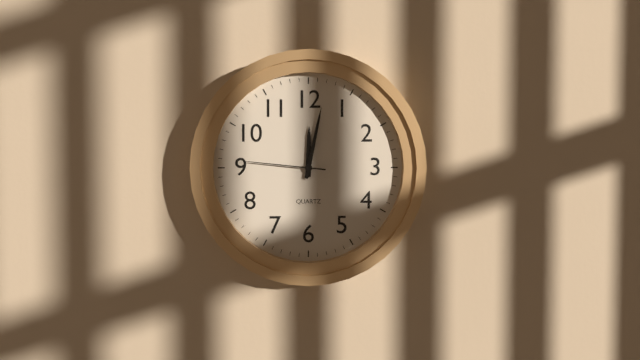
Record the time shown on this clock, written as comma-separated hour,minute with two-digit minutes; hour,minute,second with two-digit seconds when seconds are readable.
12,02,46
